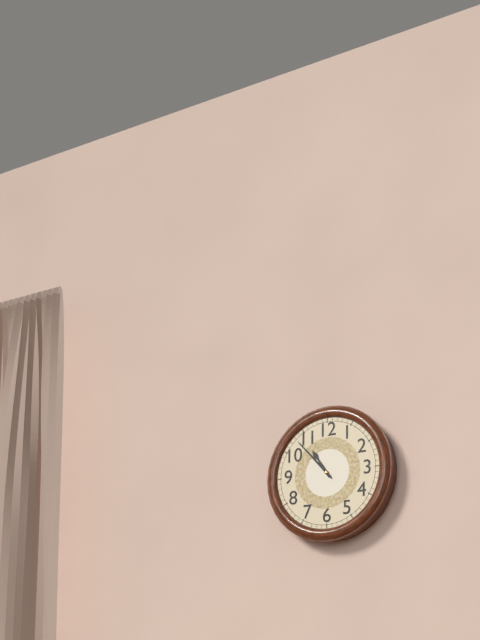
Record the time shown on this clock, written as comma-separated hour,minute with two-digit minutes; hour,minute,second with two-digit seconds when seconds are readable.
10,53
